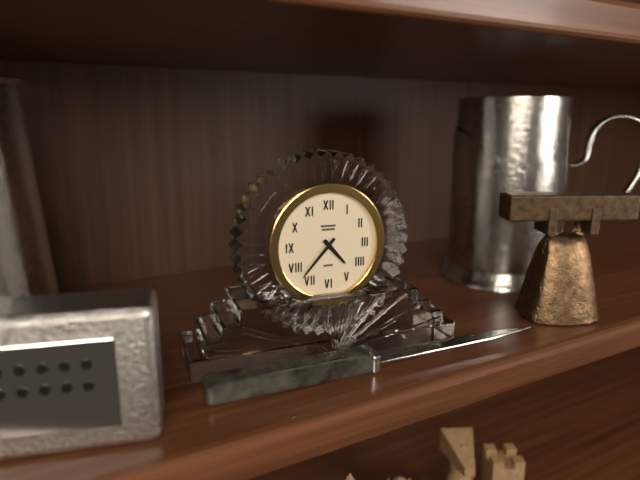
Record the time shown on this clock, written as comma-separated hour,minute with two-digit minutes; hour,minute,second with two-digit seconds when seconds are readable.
4,37
